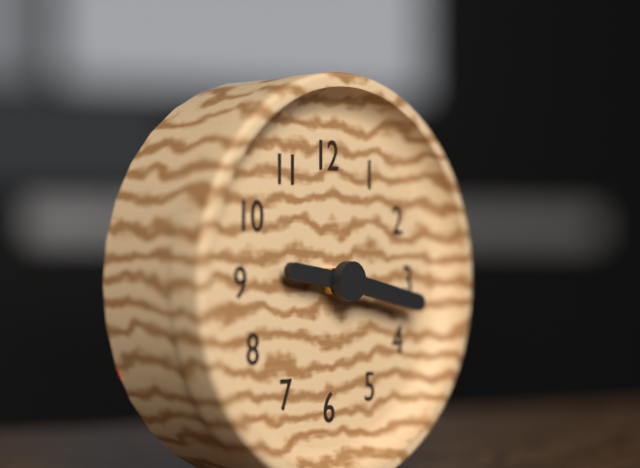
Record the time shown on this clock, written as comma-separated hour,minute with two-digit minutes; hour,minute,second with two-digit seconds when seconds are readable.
9,17
